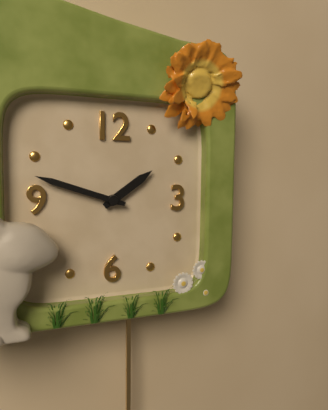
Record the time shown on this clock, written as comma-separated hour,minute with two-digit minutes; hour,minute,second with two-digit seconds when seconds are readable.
1,48
